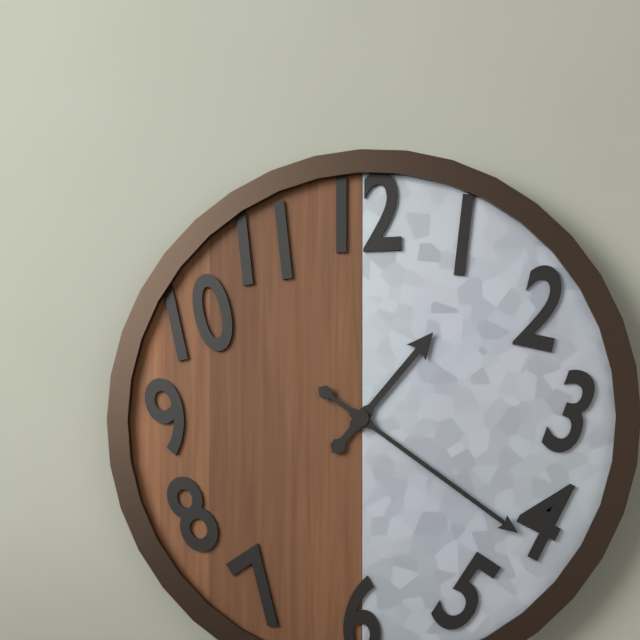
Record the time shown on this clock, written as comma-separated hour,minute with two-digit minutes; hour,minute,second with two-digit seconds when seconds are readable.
1,21
